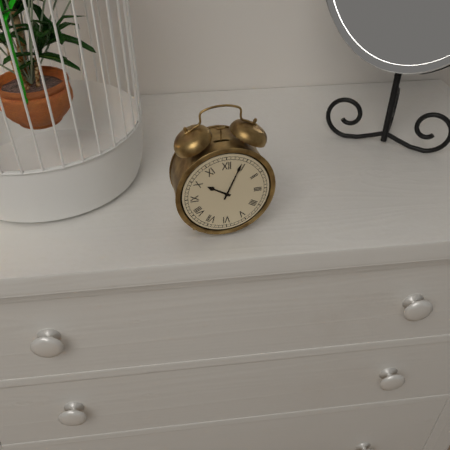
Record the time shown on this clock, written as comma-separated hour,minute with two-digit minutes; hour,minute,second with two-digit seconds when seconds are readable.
10,04
